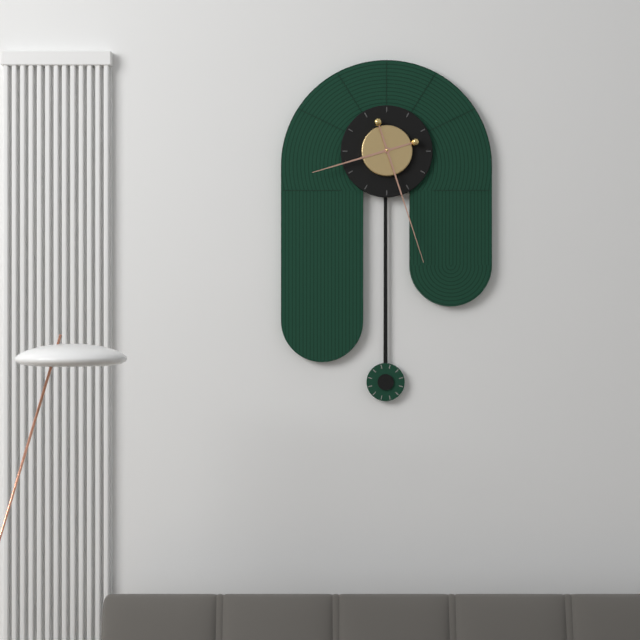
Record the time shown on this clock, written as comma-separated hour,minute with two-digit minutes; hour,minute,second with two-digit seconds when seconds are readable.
8,27
